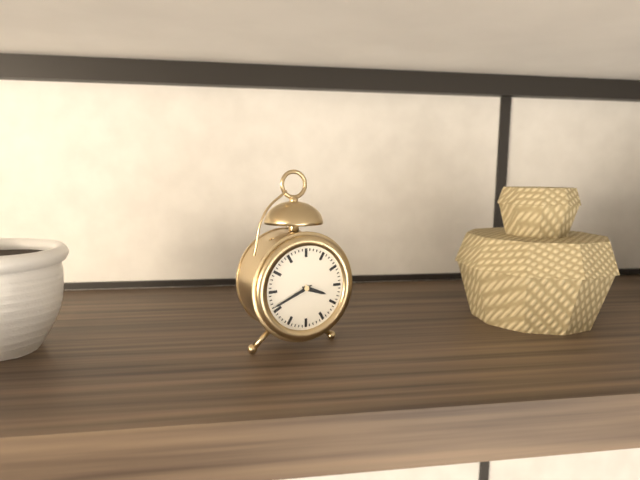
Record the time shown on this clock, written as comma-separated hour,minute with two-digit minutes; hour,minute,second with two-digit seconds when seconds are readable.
3,41
